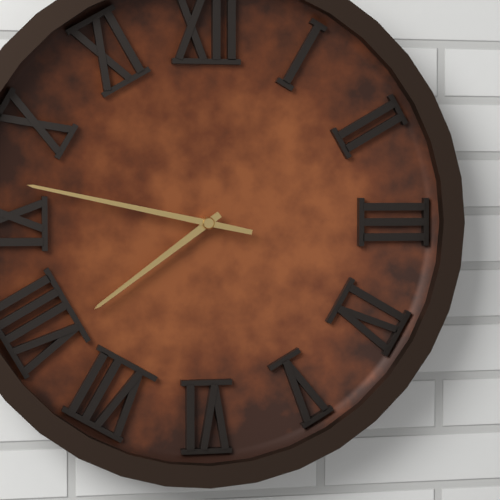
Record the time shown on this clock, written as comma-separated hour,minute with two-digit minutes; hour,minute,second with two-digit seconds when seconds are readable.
7,47
